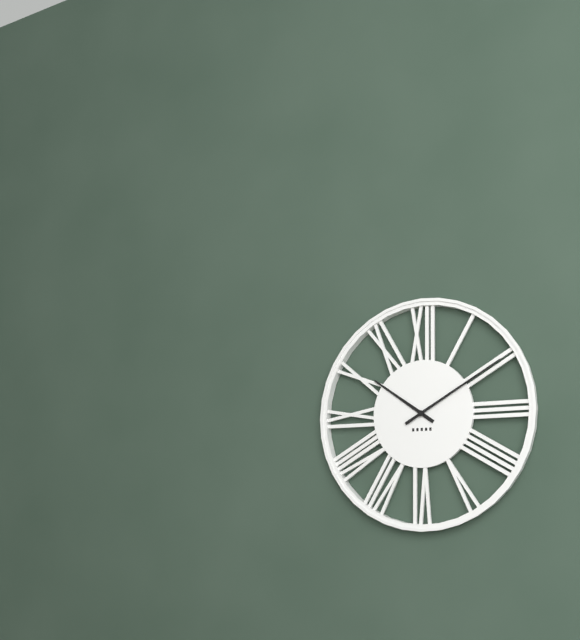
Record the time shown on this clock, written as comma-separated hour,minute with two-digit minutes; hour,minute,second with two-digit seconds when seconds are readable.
10,10
